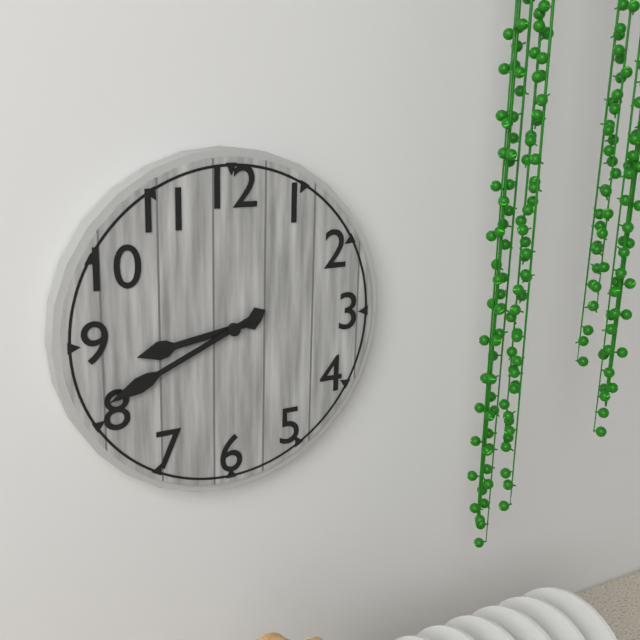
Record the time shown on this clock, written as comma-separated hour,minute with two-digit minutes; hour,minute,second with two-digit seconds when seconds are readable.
8,41
